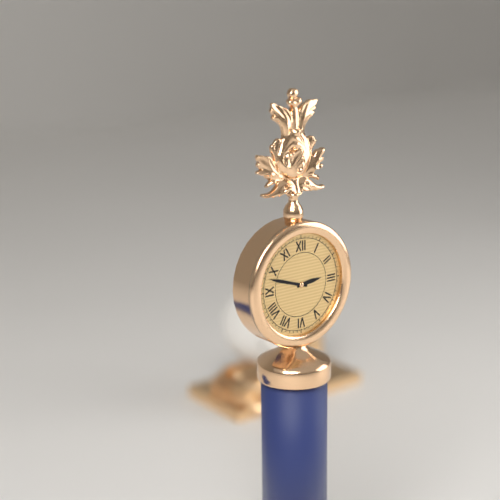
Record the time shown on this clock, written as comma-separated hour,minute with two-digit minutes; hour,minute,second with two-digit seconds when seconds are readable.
2,48
